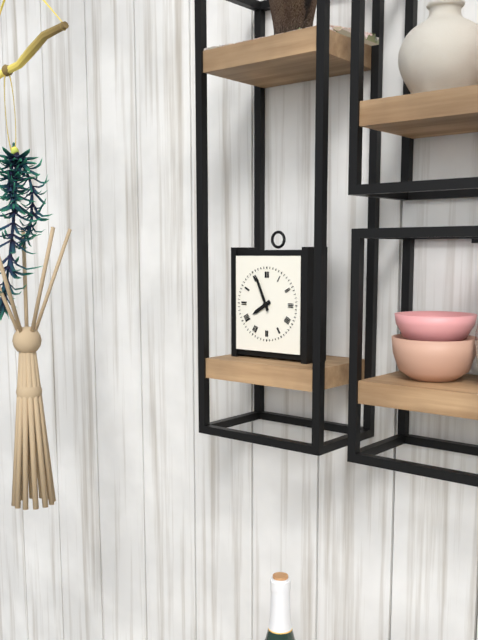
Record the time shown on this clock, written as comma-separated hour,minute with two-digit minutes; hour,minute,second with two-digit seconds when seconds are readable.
7,56
